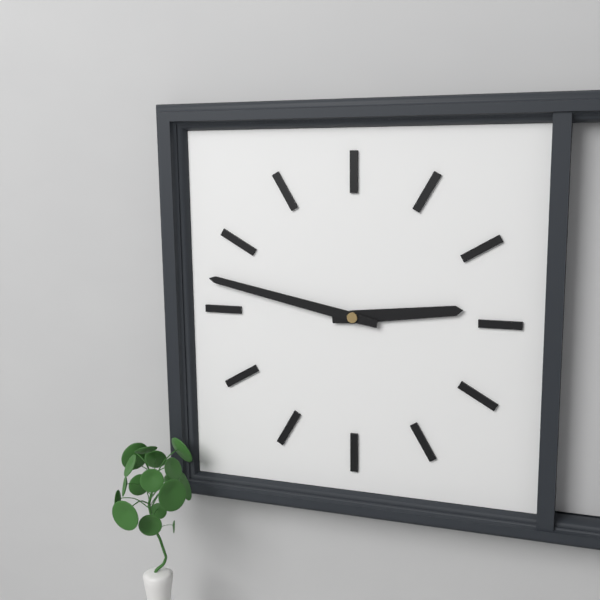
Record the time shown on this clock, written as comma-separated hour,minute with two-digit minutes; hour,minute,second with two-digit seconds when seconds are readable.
2,47
